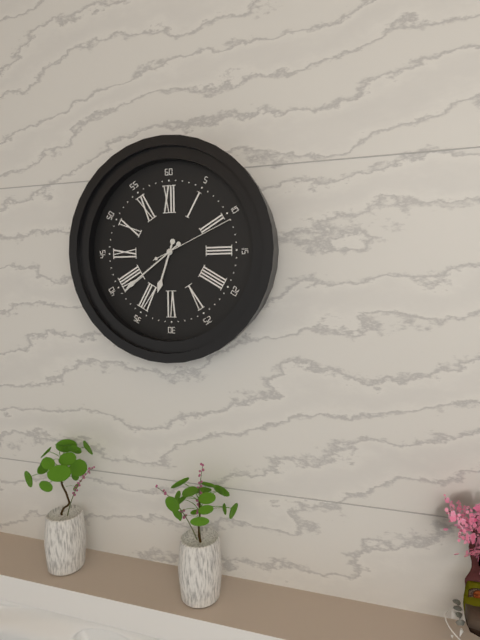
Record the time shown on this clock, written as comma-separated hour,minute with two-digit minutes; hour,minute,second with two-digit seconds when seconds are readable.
6,39,11
